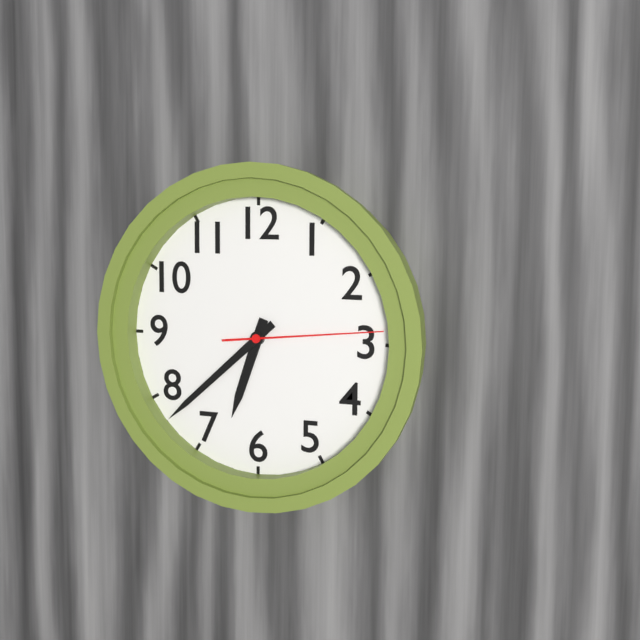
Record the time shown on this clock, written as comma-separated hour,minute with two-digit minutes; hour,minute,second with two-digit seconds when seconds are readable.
6,38,14
